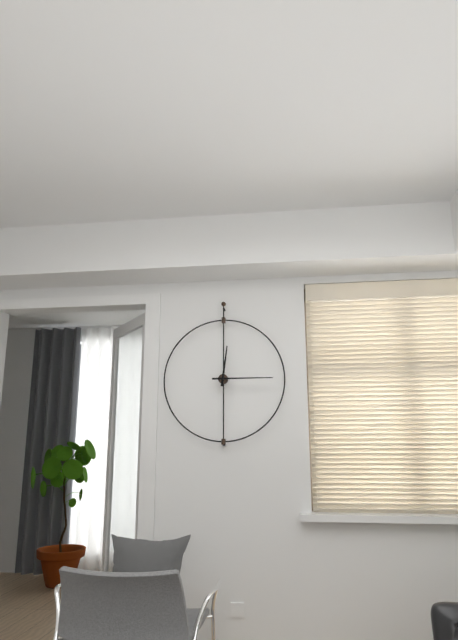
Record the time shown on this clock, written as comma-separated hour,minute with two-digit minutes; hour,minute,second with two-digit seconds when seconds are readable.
12,15
